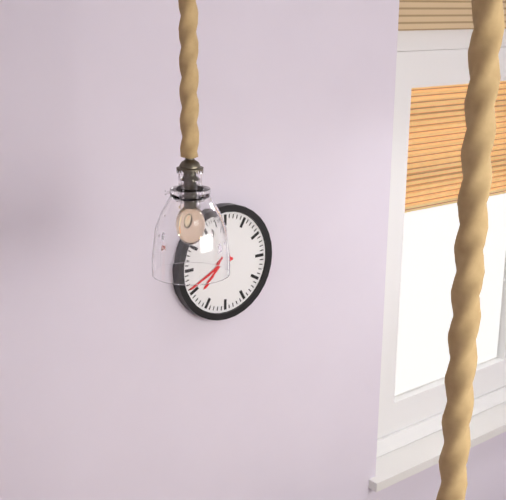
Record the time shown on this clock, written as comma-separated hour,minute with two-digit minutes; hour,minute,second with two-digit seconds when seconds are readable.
7,41
